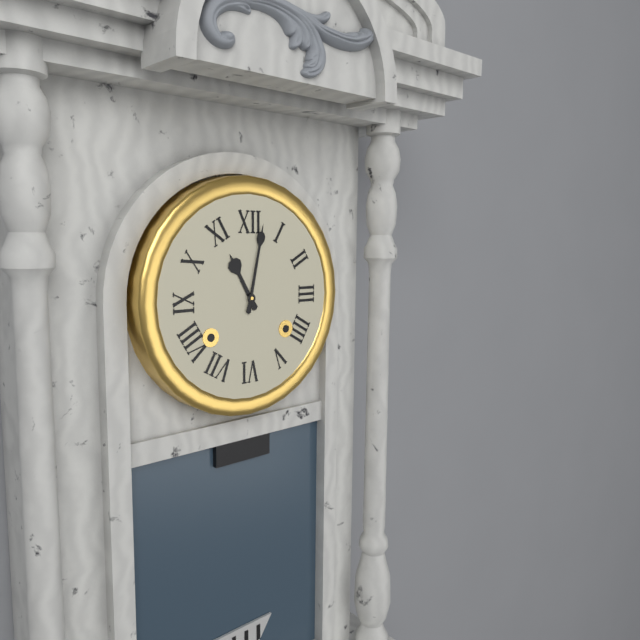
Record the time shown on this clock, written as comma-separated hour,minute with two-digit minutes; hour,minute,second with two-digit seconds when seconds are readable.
11,02
